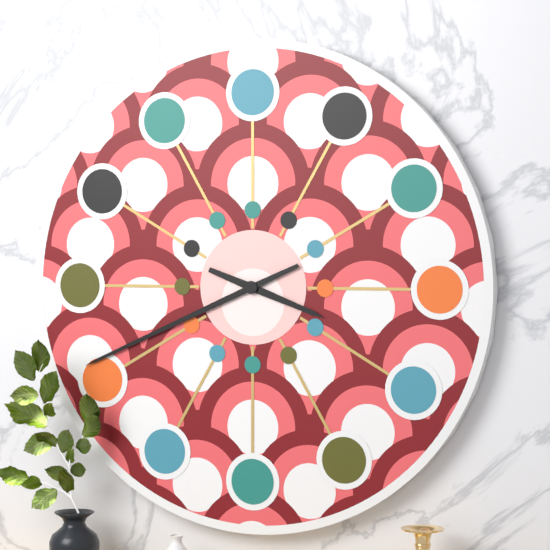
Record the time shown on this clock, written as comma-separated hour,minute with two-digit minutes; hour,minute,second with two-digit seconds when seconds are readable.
3,41
